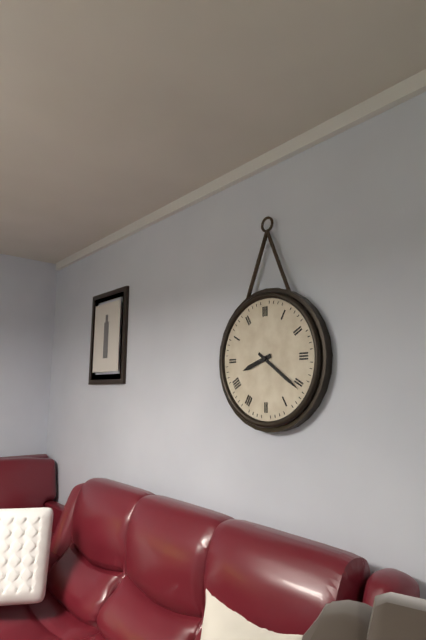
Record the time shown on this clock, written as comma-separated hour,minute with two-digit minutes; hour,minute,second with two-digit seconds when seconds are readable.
8,21
